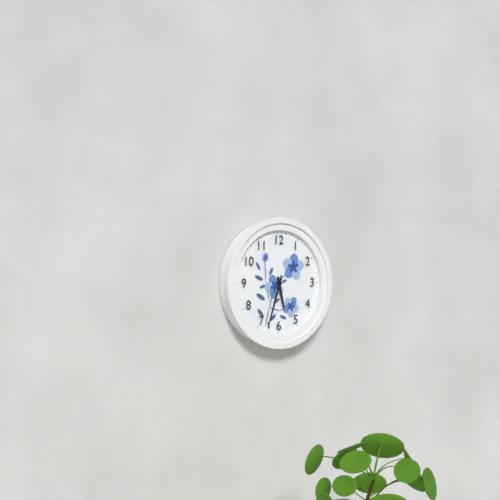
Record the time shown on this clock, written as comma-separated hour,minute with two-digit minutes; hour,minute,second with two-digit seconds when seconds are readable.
5,33
